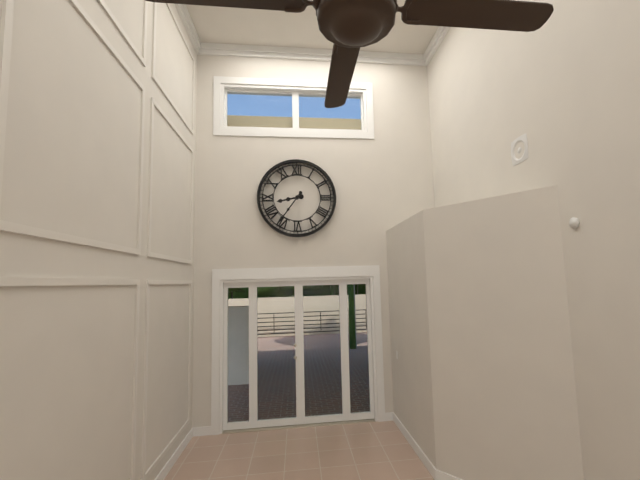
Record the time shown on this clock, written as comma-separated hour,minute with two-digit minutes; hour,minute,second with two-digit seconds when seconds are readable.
8,36
